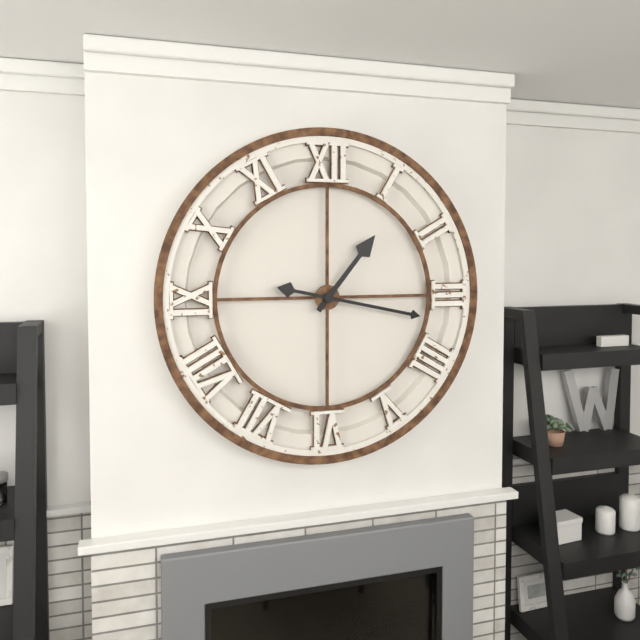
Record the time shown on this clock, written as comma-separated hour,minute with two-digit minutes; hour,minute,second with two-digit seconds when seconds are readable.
1,17
